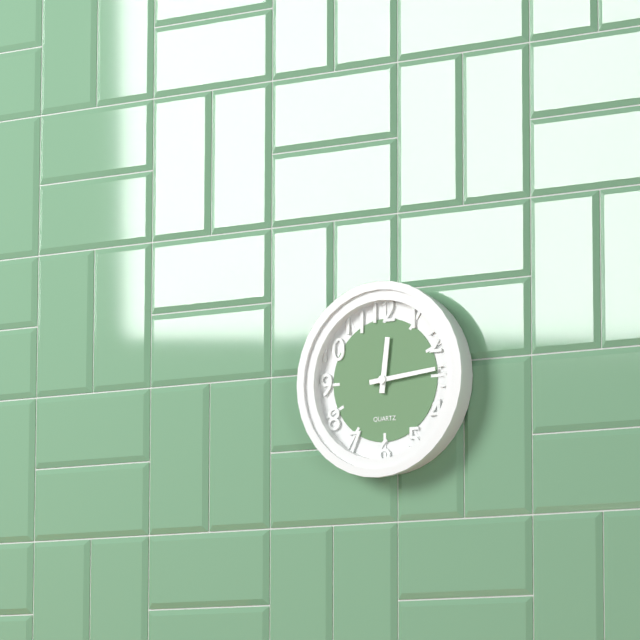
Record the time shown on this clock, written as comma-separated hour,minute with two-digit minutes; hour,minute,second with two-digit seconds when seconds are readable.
12,14
